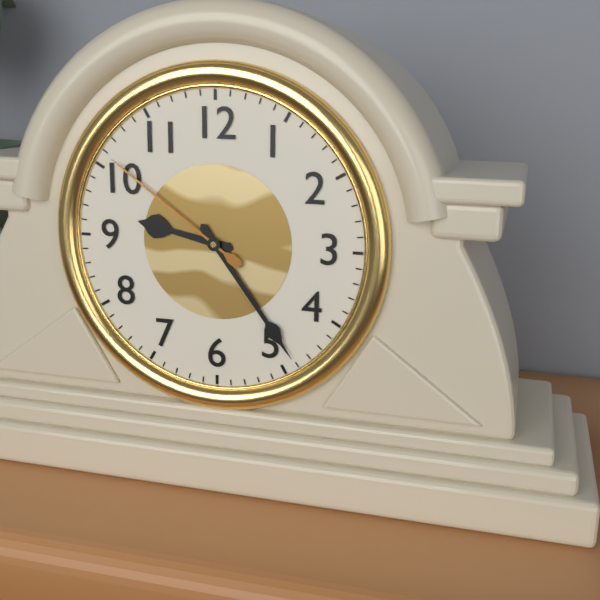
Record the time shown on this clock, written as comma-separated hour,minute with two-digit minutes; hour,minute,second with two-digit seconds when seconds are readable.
9,24,51
